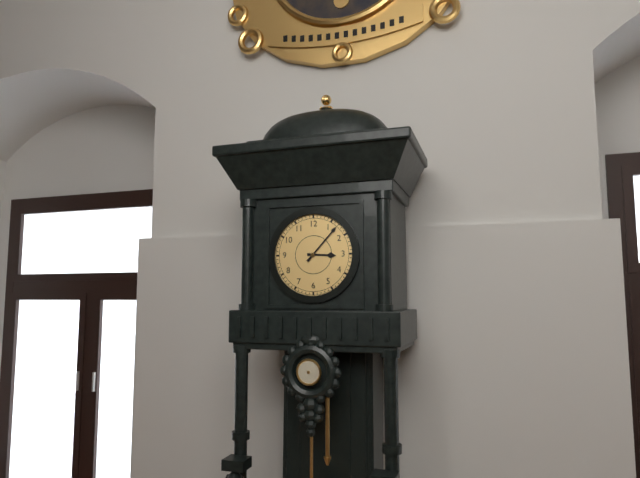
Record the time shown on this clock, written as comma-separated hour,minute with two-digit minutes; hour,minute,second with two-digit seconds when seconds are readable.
3,07
